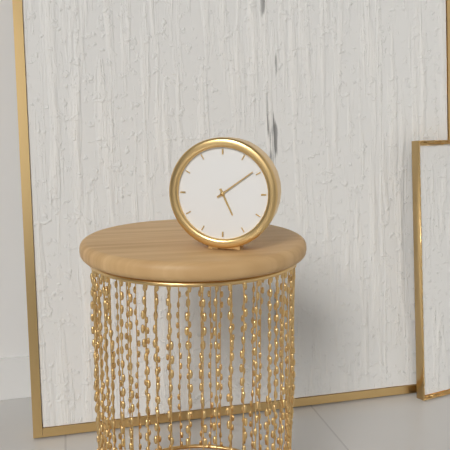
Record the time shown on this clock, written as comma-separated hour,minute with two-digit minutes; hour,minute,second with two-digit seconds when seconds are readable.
5,09
